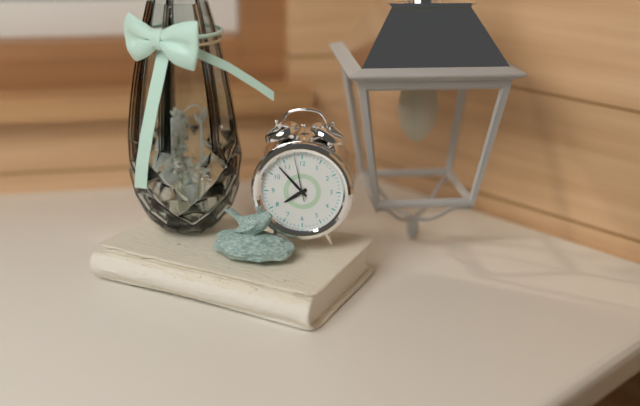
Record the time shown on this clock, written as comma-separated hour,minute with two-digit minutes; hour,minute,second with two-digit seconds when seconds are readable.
7,53
